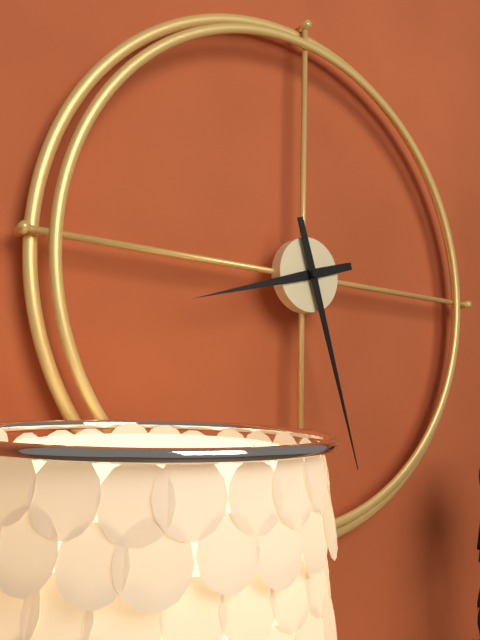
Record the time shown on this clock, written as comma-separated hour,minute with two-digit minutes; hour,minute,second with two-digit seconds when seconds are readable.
8,27
